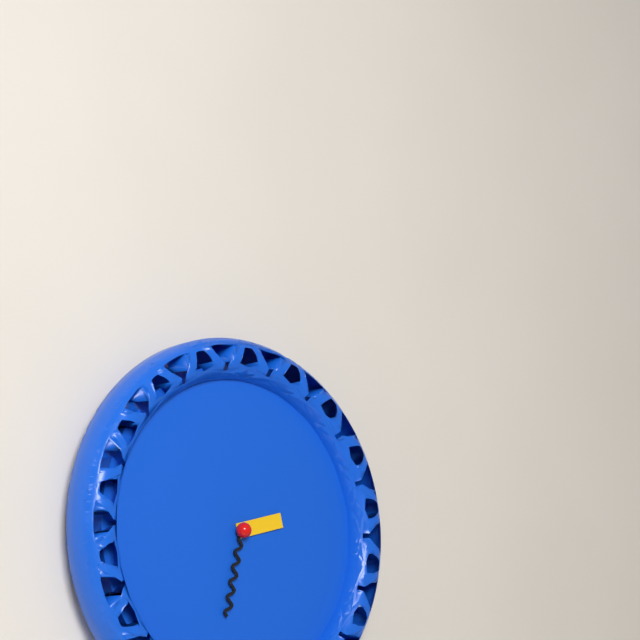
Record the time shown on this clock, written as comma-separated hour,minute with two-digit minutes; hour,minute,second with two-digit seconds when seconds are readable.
2,32
